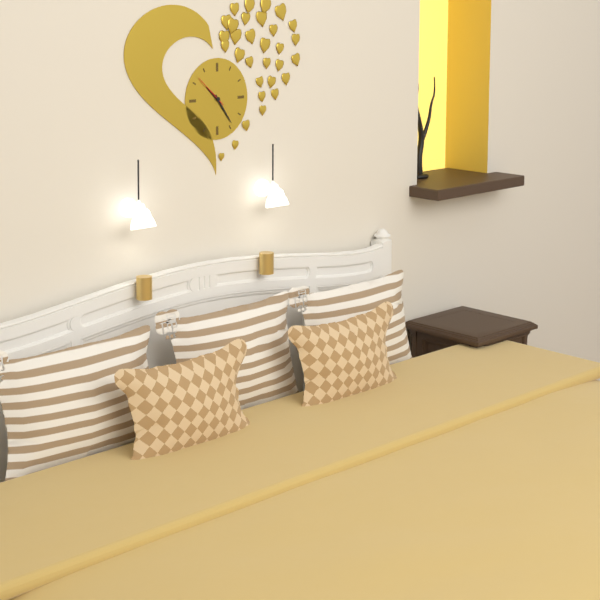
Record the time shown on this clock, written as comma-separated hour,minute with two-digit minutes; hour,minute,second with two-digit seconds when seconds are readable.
10,24
